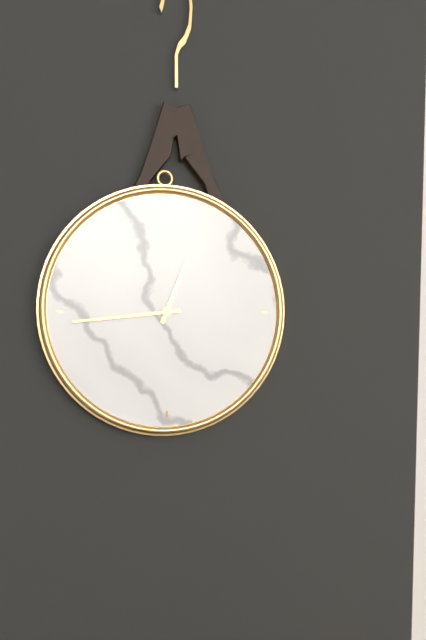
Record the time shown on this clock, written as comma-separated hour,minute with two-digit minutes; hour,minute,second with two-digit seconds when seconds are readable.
12,44
